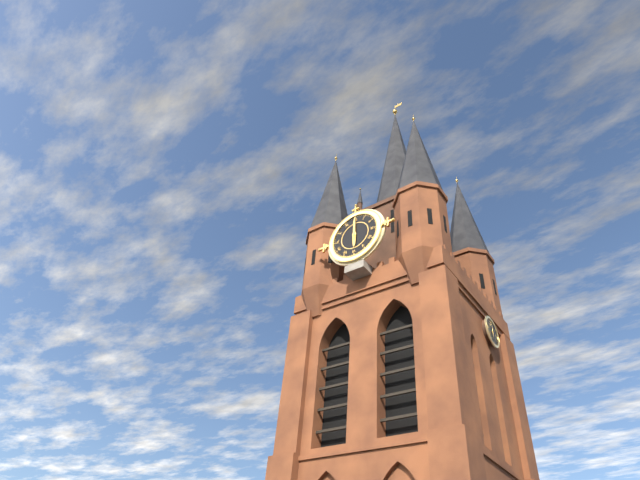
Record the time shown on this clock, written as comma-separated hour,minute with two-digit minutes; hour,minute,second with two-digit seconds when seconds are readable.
6,00
